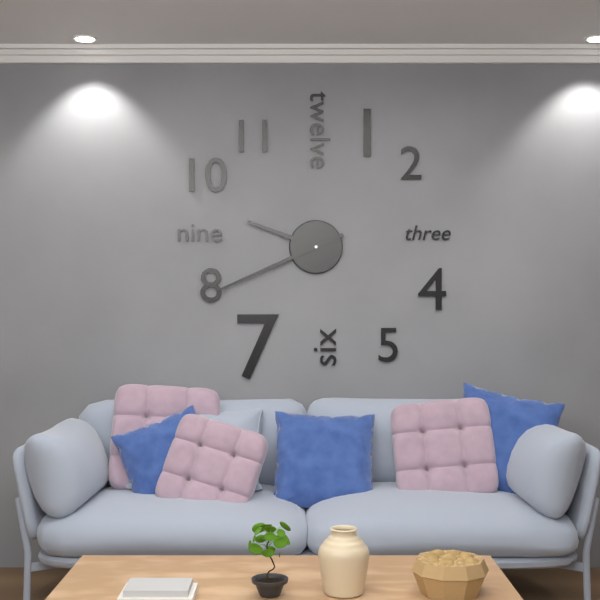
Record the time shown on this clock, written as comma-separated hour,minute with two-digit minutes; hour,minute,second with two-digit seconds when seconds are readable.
9,41
